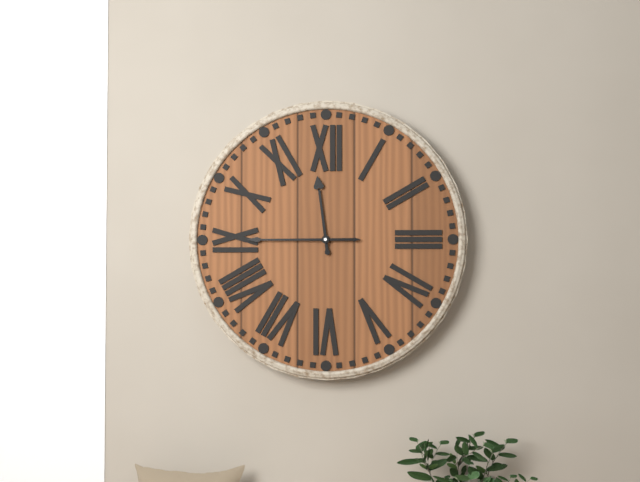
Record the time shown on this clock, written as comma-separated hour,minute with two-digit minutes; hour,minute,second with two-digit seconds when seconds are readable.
11,45
